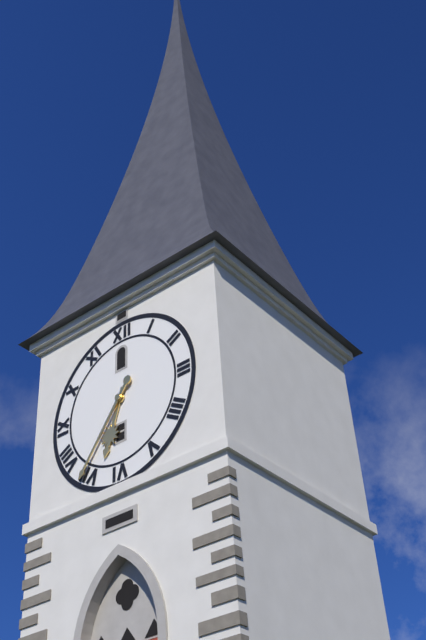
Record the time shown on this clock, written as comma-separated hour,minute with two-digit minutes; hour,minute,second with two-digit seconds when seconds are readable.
6,36
